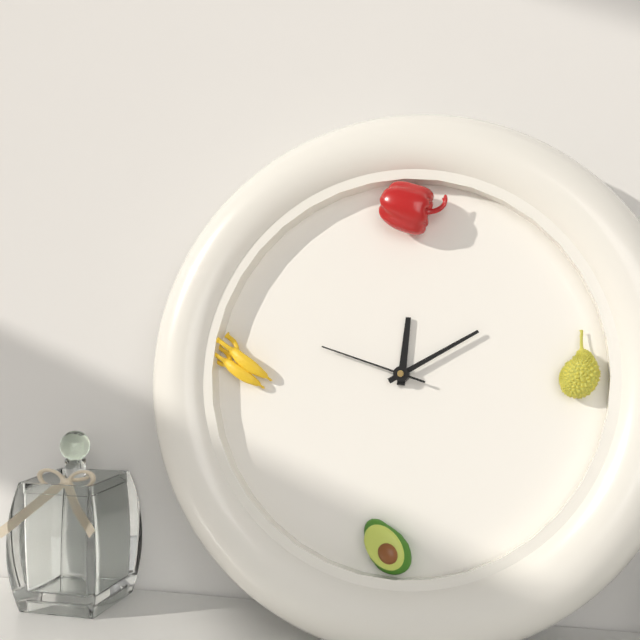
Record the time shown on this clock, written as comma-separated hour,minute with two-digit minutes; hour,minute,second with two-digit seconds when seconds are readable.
12,10,48
